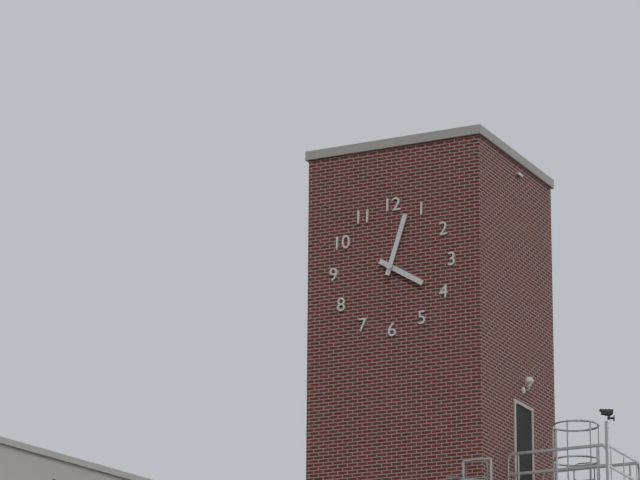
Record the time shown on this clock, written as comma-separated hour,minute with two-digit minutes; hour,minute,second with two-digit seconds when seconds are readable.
4,03
